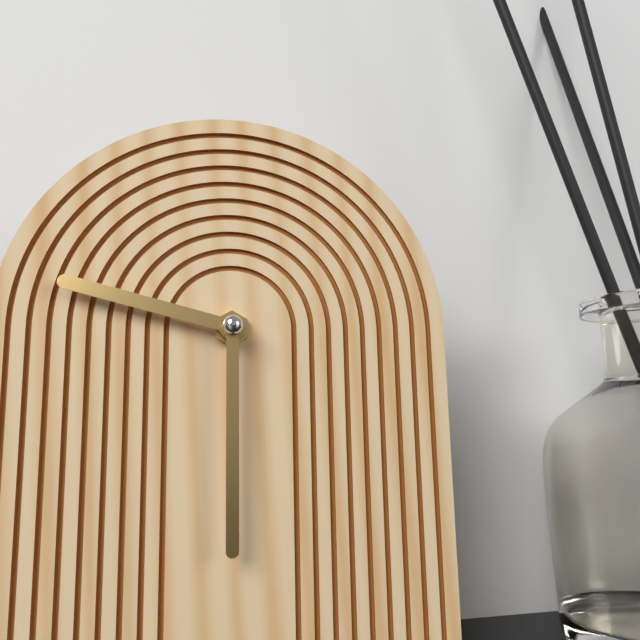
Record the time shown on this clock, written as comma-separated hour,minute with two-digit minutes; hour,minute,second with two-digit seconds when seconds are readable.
9,30
